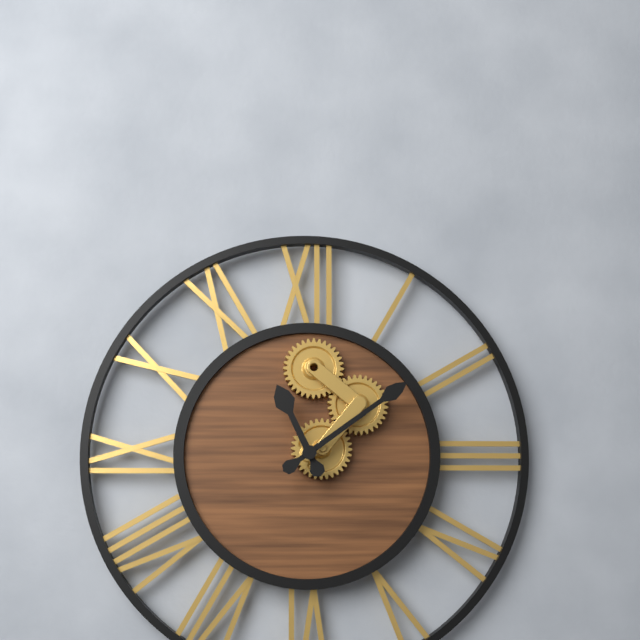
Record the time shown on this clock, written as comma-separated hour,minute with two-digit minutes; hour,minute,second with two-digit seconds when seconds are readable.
11,09
